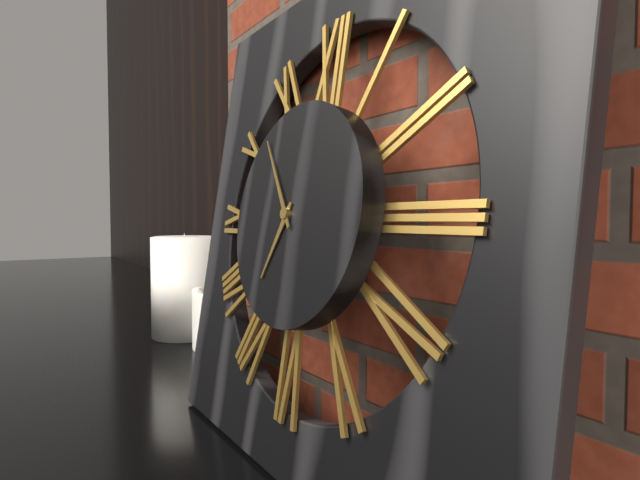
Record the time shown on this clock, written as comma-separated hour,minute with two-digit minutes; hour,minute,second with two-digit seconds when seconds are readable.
6,54
